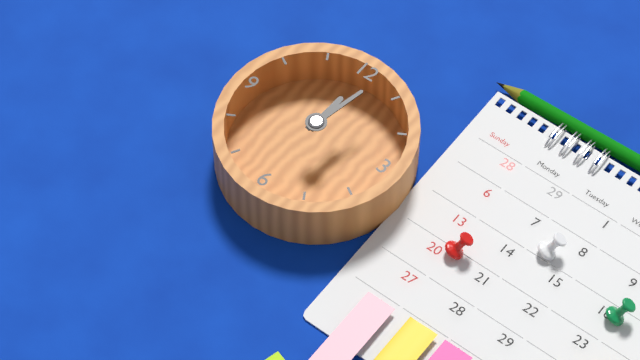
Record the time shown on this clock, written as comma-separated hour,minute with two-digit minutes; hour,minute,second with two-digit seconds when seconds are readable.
12,02
